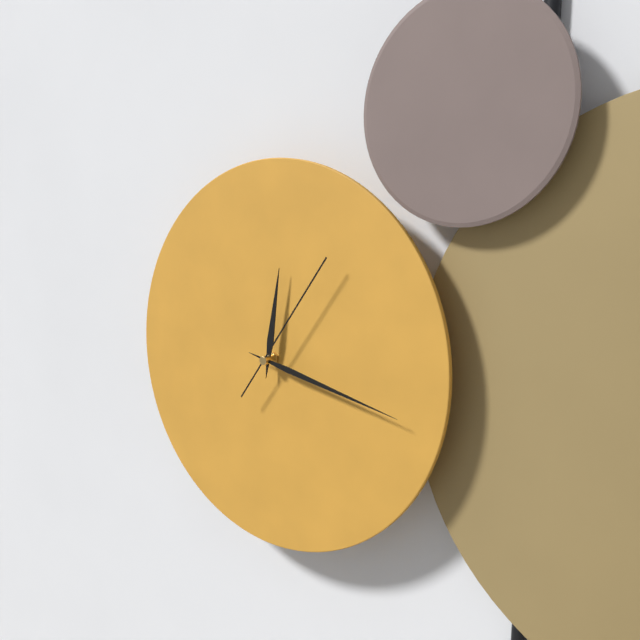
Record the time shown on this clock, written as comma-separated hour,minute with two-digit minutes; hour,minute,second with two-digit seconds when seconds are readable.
12,17,06
